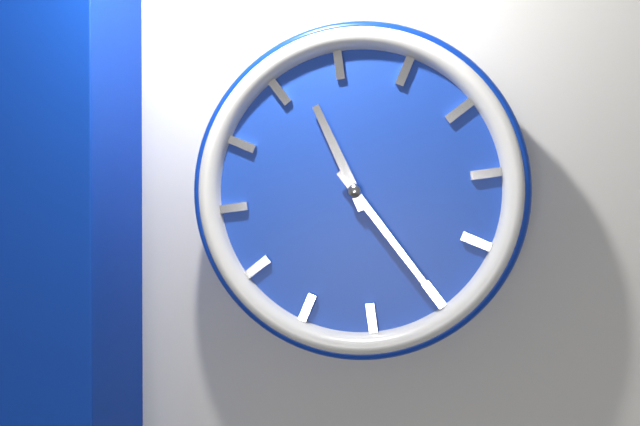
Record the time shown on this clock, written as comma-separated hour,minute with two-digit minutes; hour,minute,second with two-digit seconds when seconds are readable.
11,25
